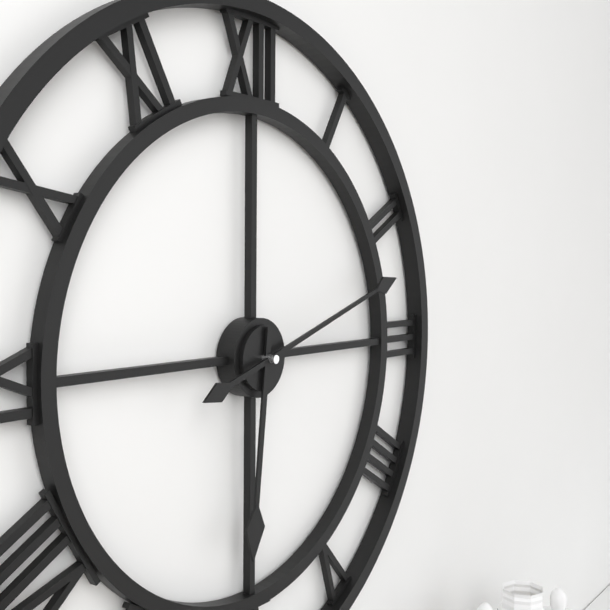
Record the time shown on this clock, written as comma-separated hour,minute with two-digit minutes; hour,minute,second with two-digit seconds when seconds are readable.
6,12
